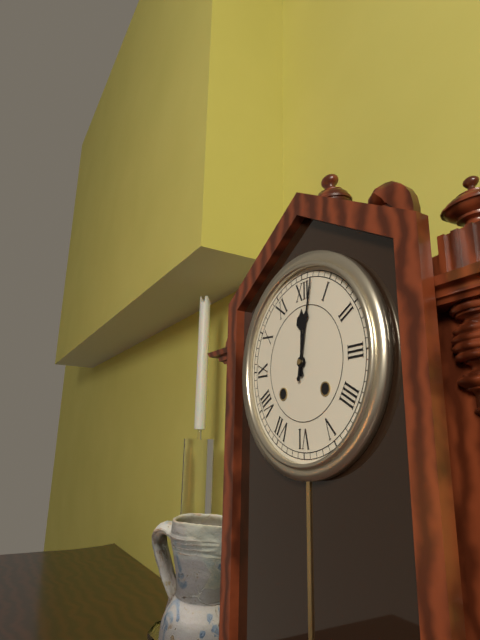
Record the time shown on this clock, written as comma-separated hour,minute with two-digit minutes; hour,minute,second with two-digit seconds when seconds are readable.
12,02
